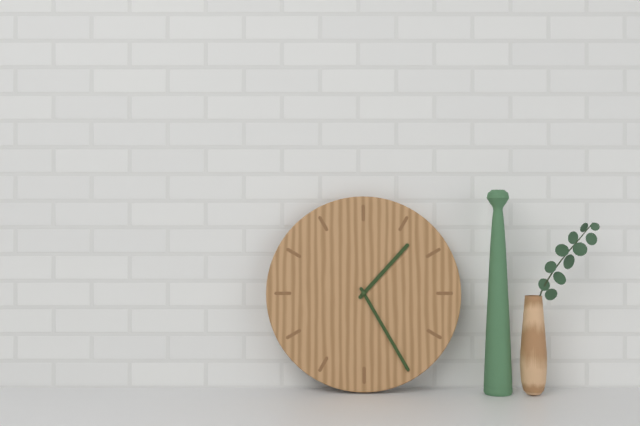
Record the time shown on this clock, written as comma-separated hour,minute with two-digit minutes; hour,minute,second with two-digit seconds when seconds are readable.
1,25
